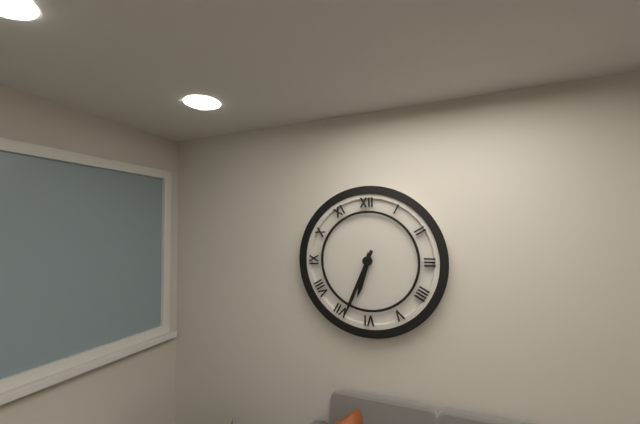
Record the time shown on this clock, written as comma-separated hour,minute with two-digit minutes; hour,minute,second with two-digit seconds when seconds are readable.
6,34
